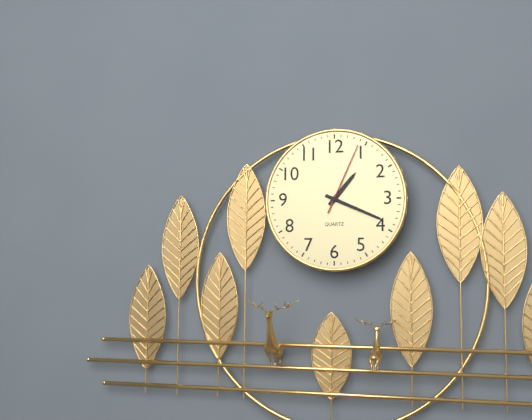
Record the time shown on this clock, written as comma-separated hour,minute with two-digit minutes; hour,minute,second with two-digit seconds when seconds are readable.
1,19,04
